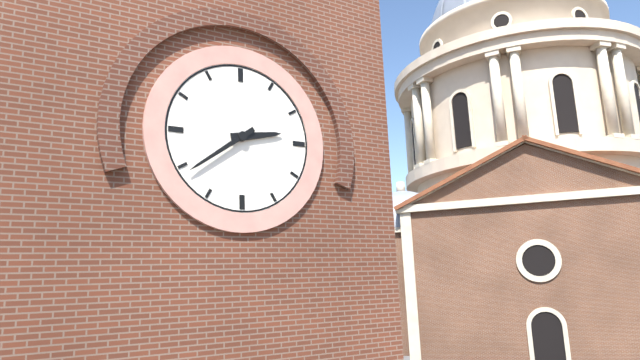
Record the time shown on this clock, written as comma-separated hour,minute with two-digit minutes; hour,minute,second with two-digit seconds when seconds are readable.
2,39
